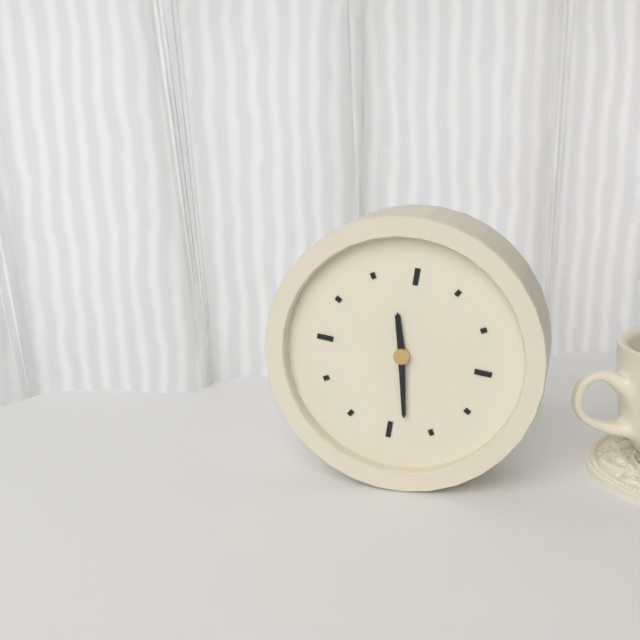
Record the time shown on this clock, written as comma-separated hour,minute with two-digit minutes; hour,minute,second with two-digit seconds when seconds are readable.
11,28
